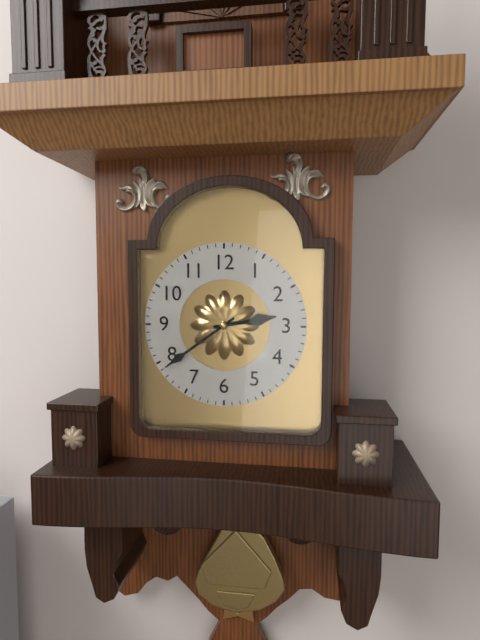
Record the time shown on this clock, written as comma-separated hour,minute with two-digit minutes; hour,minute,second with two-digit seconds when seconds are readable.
2,39
